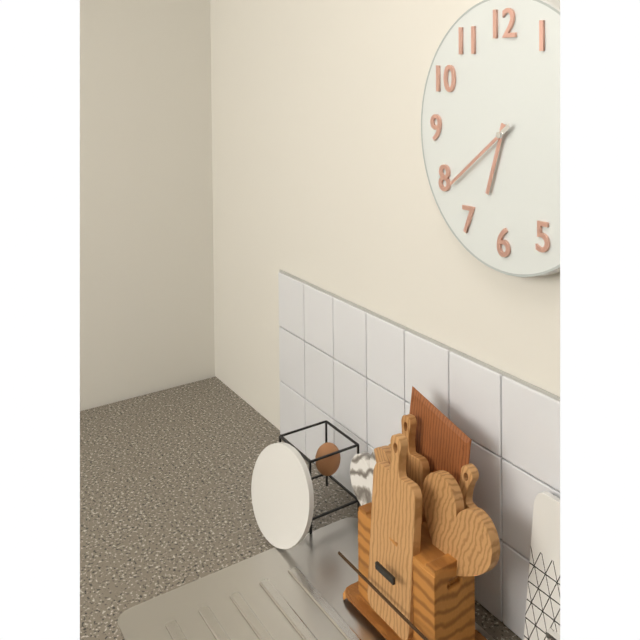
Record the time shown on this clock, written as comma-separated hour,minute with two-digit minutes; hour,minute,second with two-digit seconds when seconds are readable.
6,39
